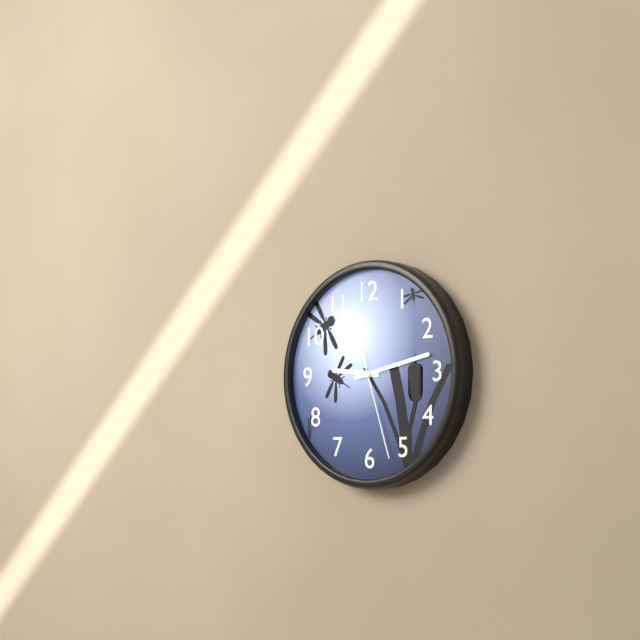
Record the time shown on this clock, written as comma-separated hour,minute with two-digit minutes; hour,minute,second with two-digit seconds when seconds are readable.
9,13,27
